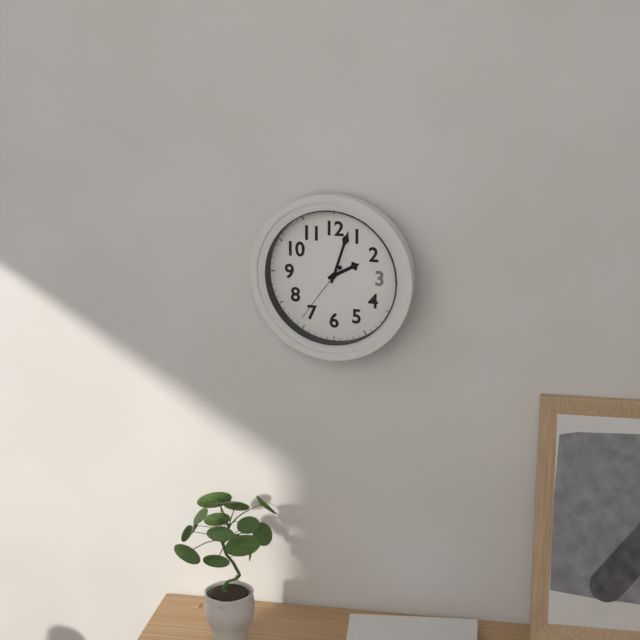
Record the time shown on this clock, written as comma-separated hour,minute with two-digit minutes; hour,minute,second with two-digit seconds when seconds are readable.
2,03,36
